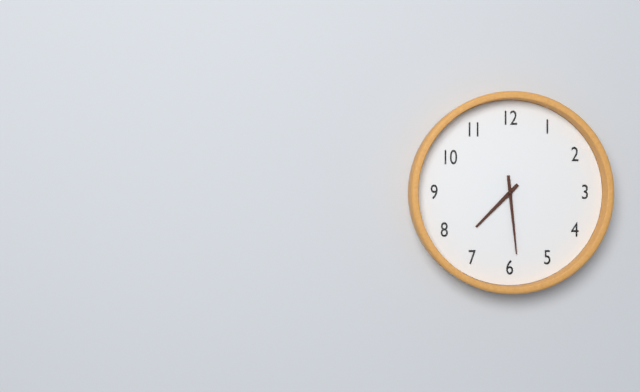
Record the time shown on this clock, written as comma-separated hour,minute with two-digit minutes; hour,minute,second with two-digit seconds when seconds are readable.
7,29
